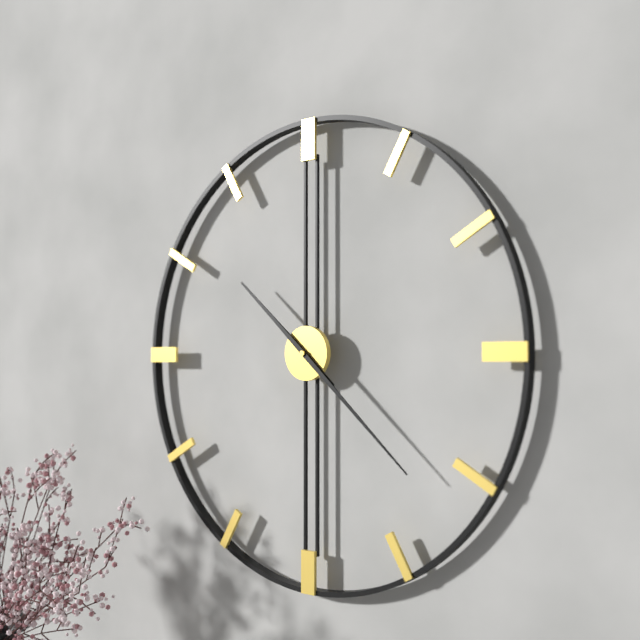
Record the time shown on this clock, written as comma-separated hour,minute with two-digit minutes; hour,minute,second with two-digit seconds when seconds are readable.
10,22
